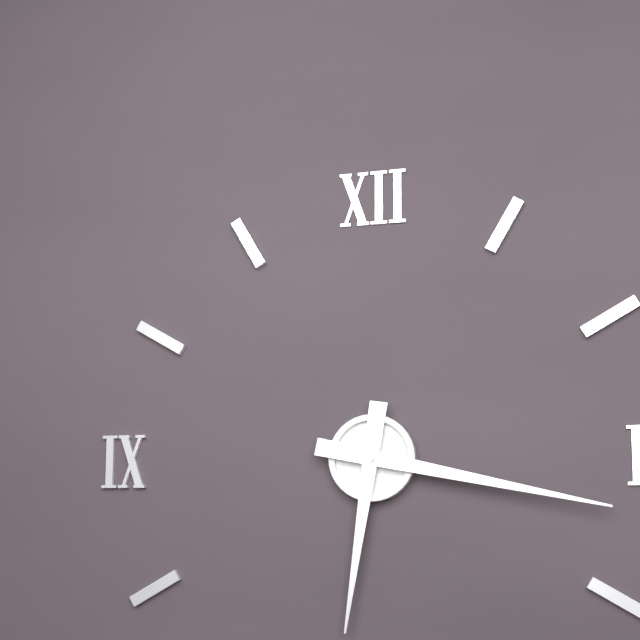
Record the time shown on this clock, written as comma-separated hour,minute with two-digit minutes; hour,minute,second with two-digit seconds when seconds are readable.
6,17
